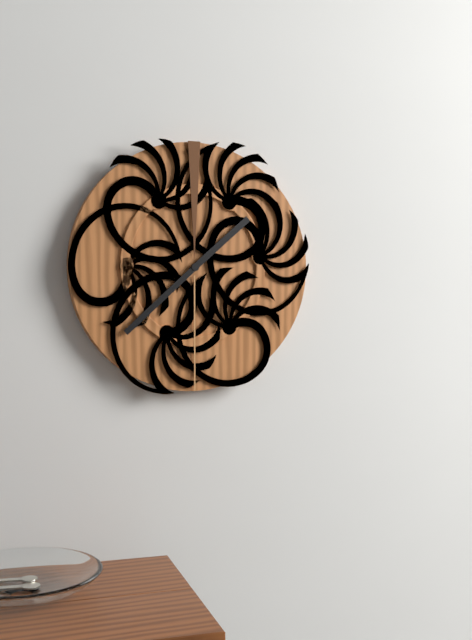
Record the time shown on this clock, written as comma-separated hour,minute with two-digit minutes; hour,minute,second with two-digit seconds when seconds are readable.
1,38
